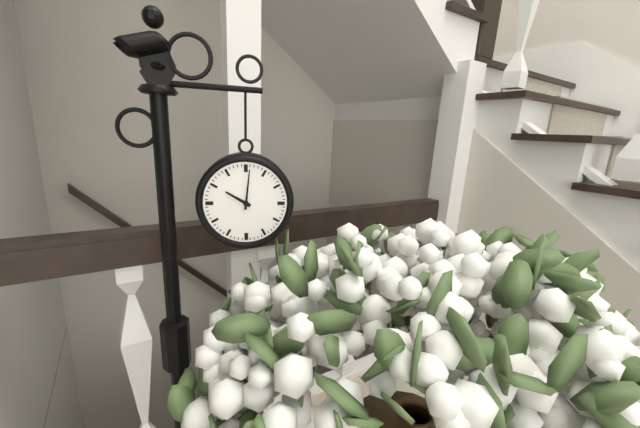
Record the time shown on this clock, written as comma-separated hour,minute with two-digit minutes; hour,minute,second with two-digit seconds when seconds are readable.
10,01
